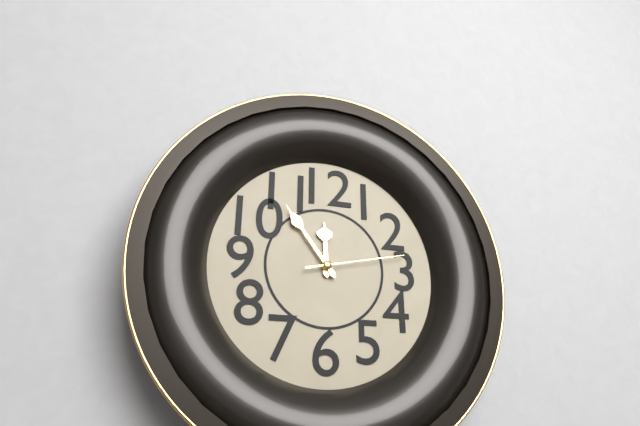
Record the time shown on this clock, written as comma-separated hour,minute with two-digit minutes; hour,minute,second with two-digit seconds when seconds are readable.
11,54,13
